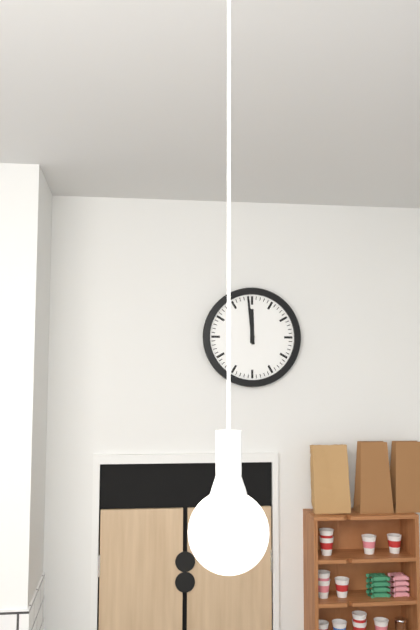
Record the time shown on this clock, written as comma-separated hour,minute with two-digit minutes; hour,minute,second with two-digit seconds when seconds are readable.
11,59
